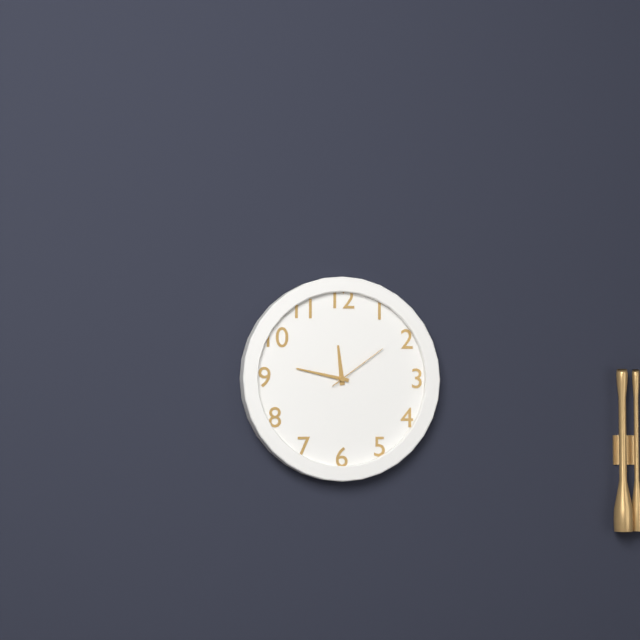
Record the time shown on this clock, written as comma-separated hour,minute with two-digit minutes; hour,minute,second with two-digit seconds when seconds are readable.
11,47,09
